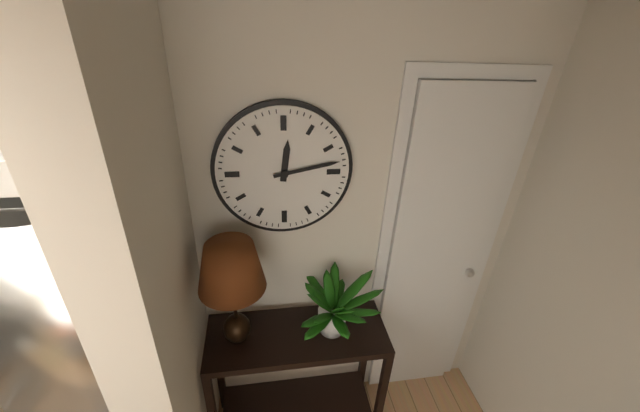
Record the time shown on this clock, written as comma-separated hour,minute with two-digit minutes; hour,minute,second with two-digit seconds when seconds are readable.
12,13
